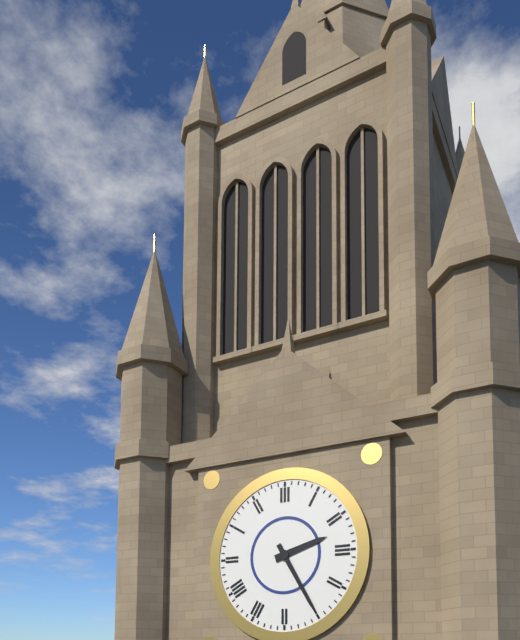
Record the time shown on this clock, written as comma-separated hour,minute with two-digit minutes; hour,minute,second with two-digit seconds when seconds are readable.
2,25
